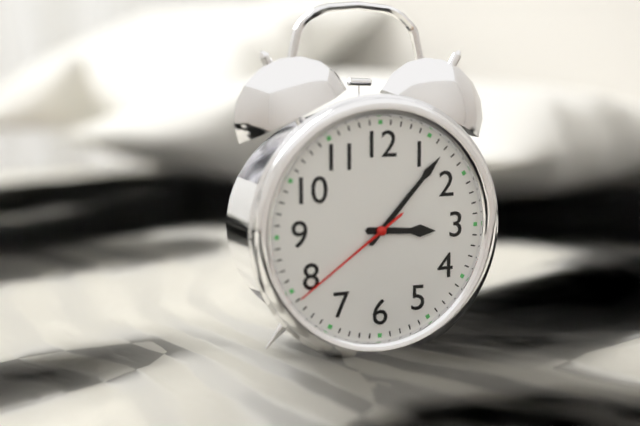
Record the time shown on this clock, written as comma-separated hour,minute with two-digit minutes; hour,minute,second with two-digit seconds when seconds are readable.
3,07,39
